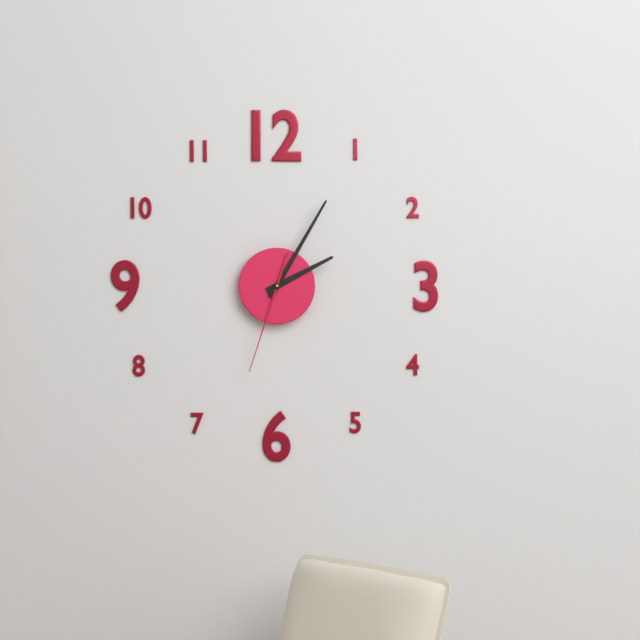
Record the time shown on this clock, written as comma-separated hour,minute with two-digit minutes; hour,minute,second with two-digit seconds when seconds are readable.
2,05,33
